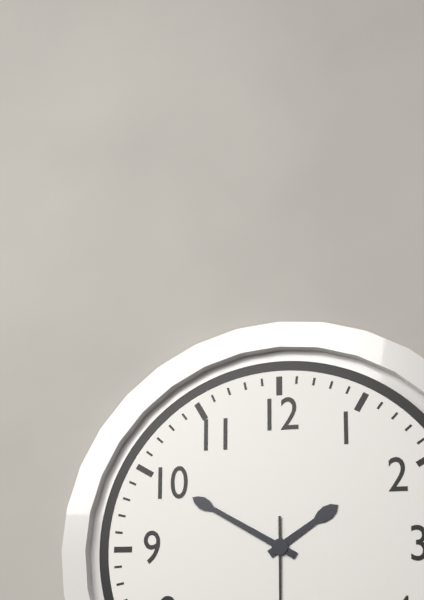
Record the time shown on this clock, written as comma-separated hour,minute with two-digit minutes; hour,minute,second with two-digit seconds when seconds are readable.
1,50
